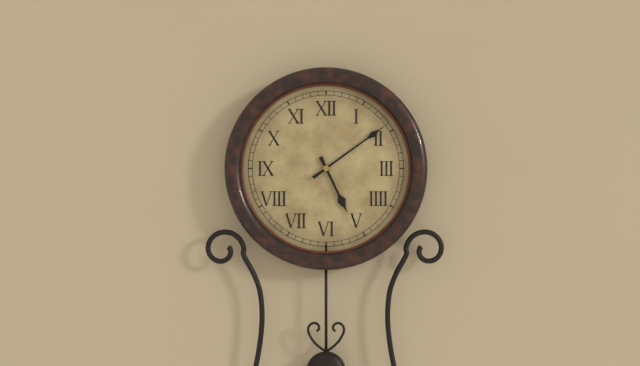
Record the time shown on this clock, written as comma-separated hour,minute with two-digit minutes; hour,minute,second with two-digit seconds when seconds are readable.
5,09
